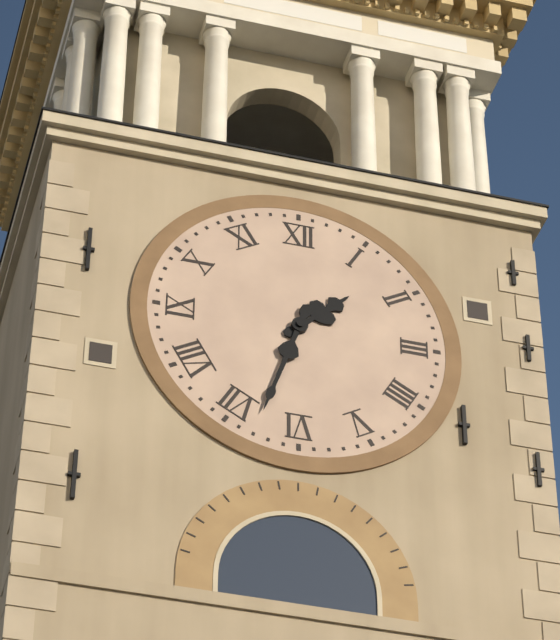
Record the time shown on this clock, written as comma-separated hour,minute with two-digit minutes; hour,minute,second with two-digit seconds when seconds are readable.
1,33
